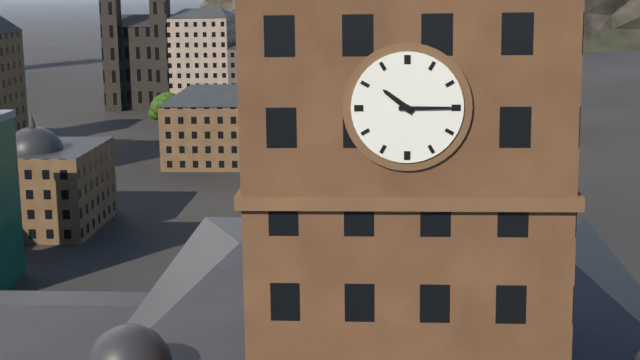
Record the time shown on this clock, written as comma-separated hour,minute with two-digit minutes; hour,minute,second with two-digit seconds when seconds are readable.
10,15
